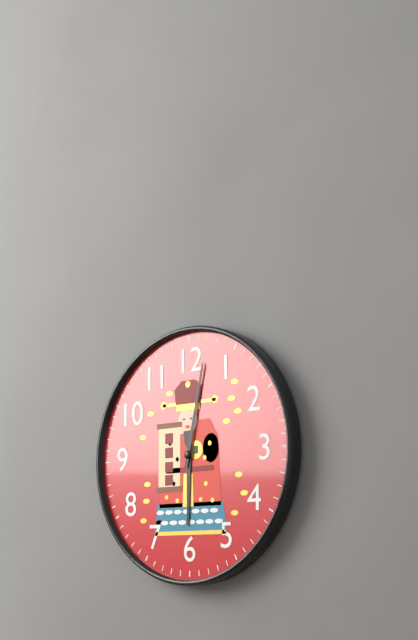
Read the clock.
6:02
